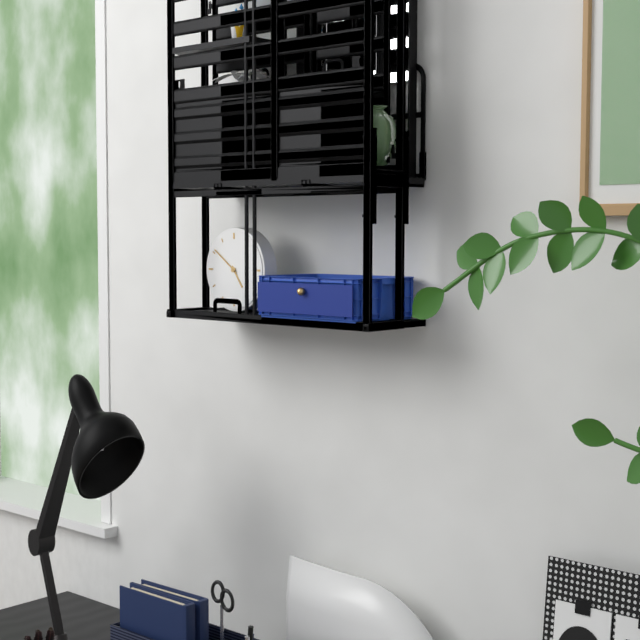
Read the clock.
4:51
